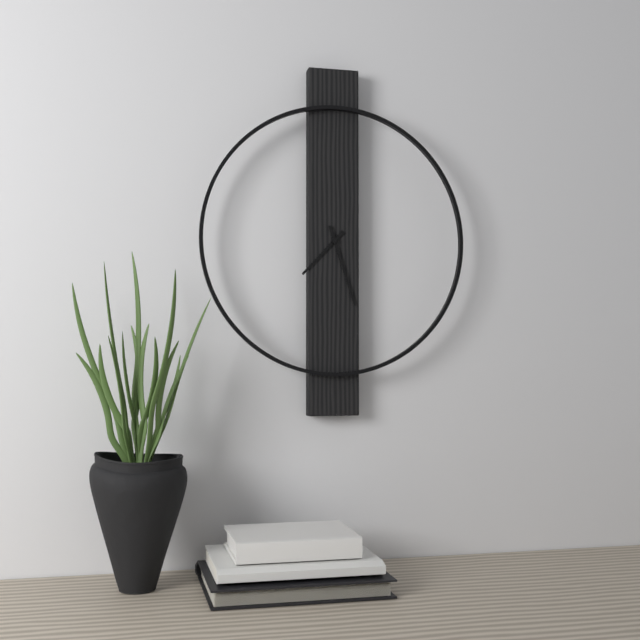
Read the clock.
7:27
